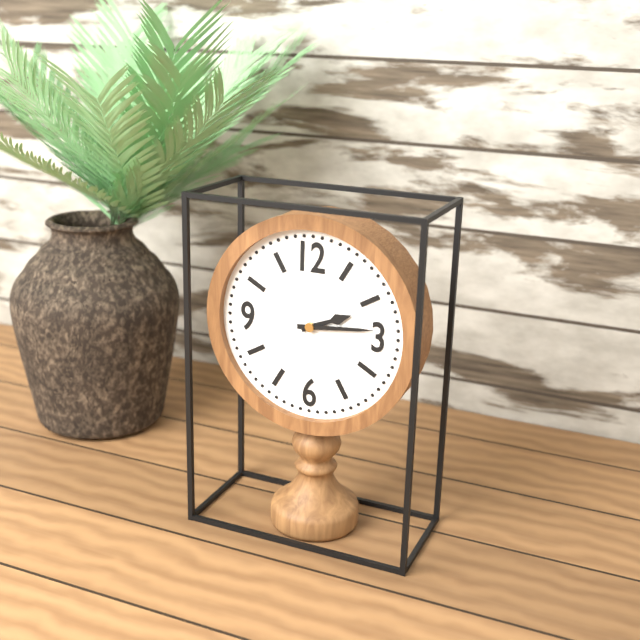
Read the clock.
2:14
